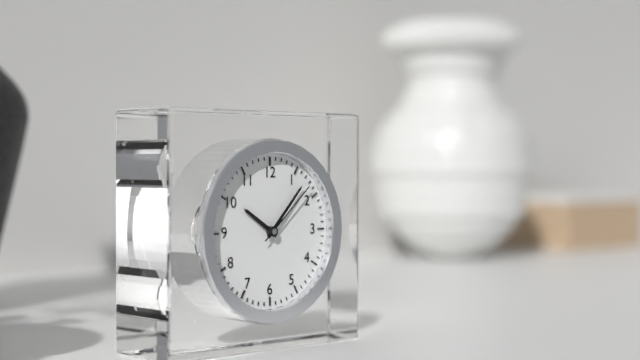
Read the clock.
10:07:08
